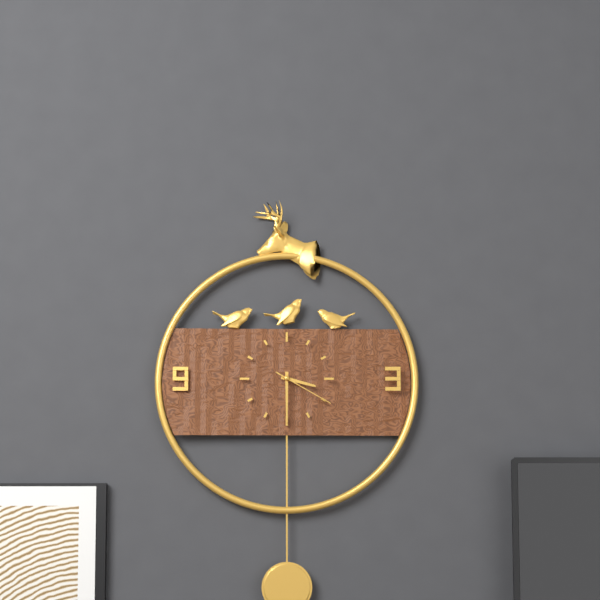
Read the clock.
3:30:20
